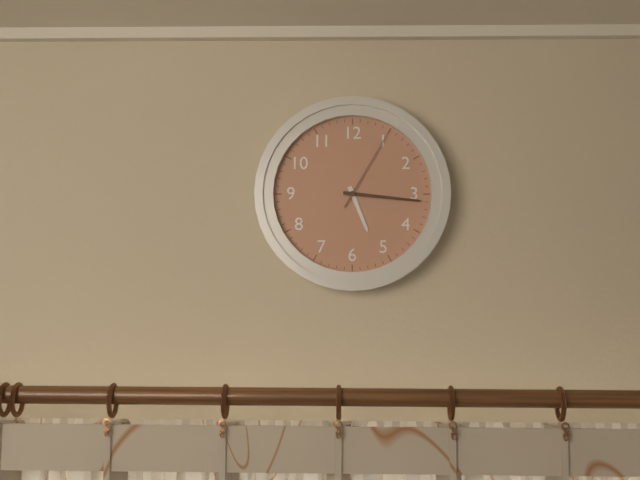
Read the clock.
5:16:05
